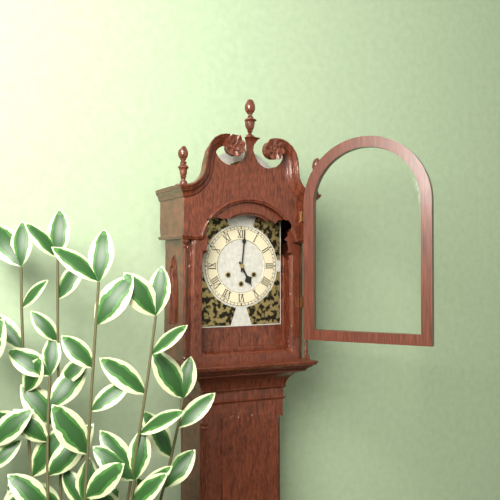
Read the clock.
5:01
